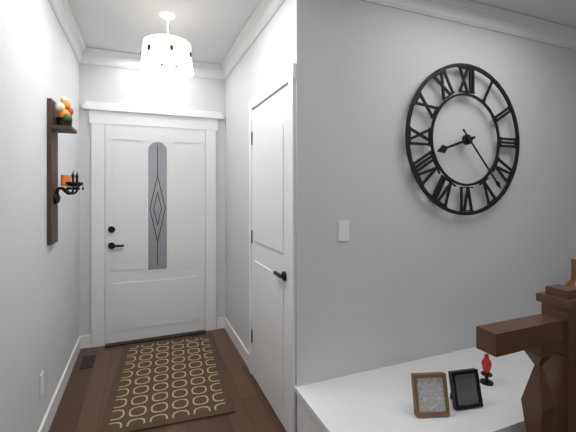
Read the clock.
8:23
